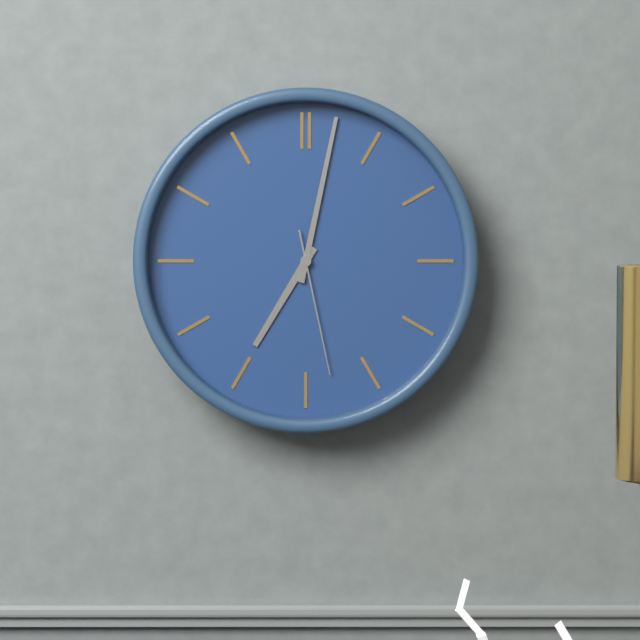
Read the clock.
7:02:28
